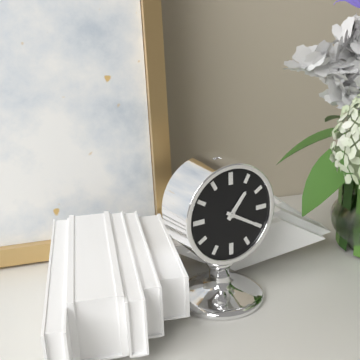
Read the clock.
1:20
